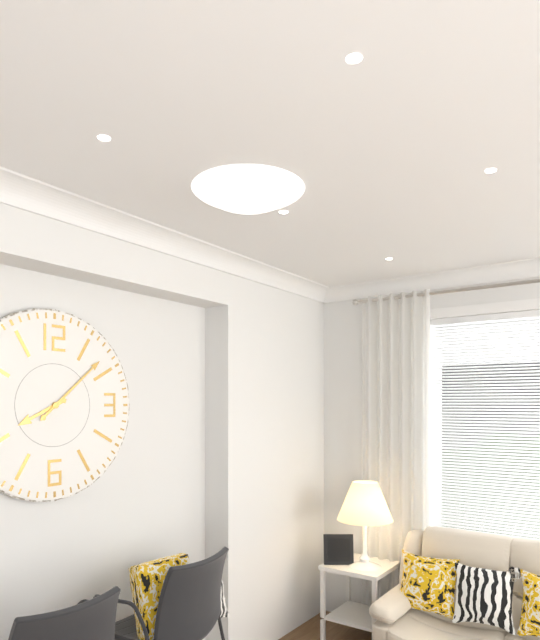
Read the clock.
8:08
